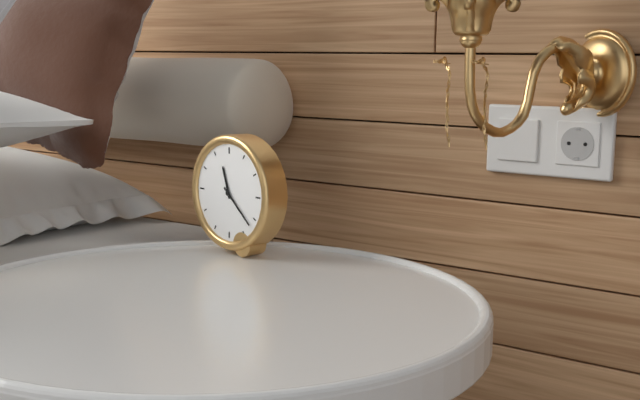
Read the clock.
11:22
